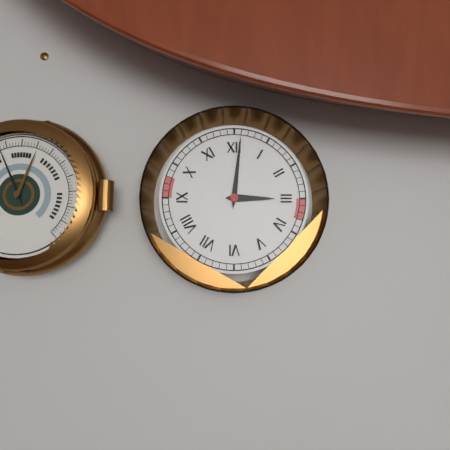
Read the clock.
3:01
